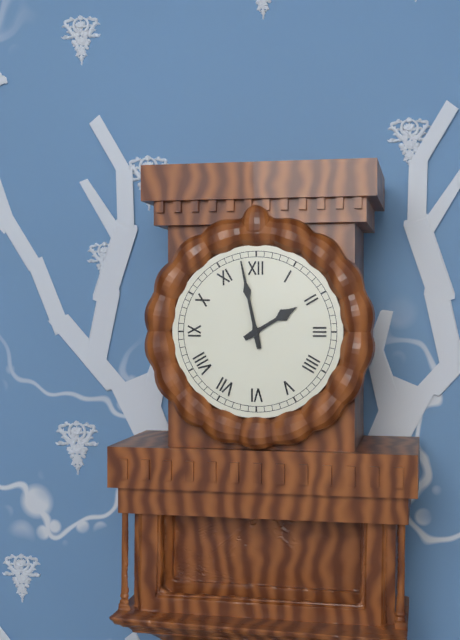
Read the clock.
1:58
